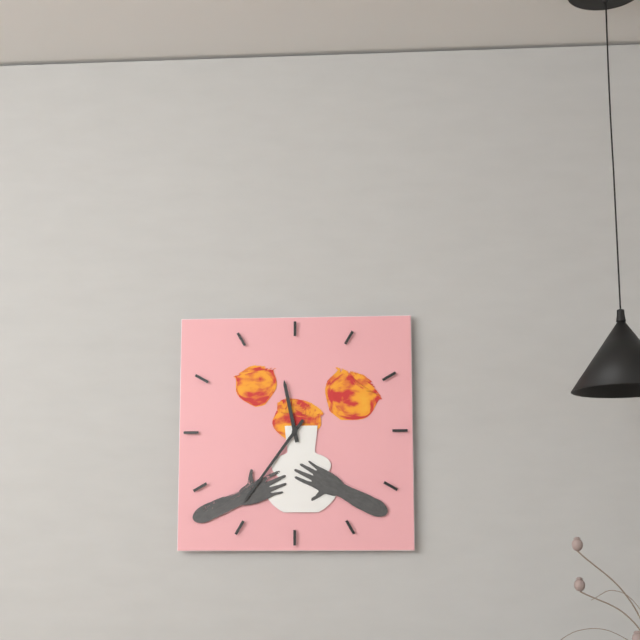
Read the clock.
11:36
